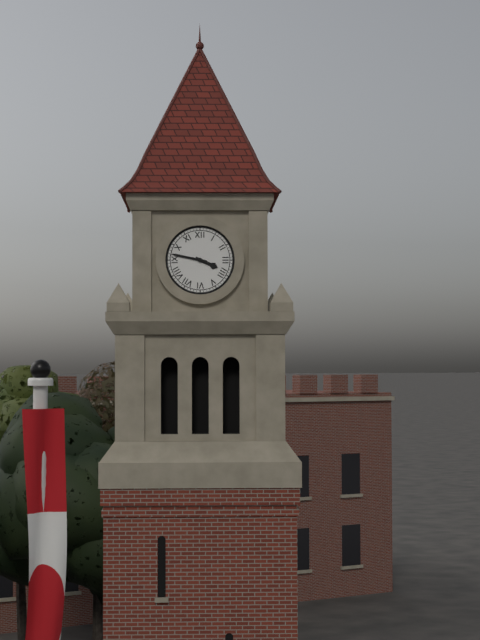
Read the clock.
3:47
